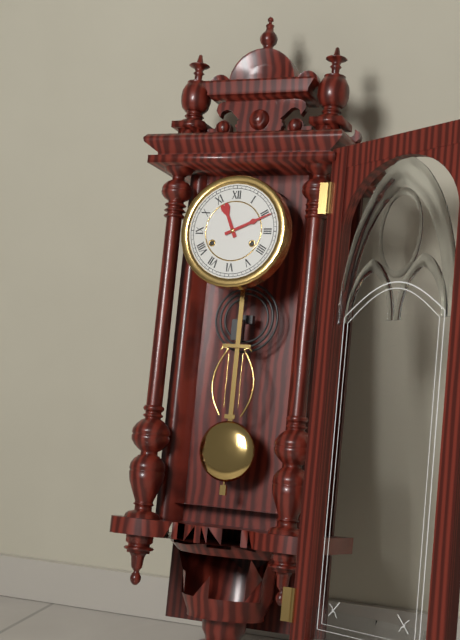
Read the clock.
11:11
